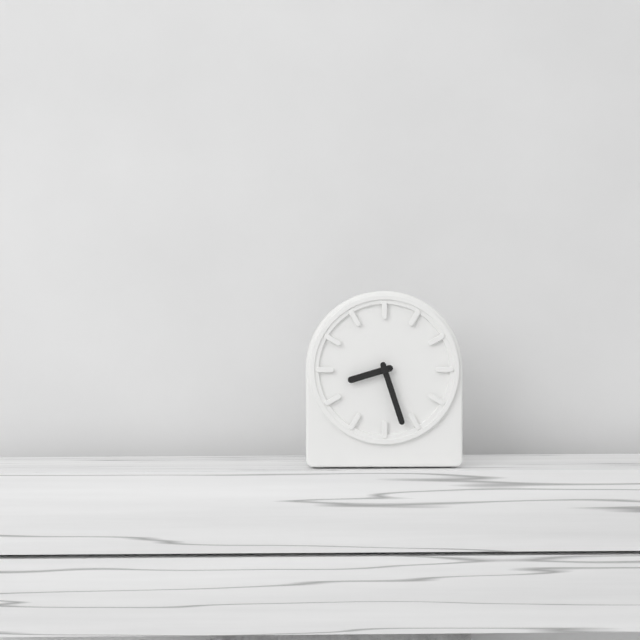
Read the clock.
8:27
